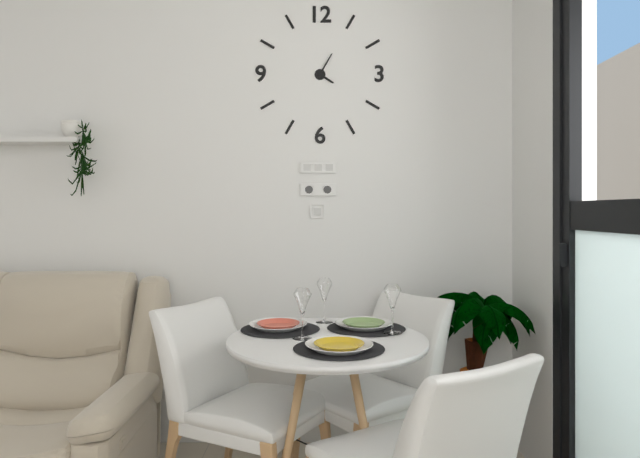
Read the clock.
4:05
